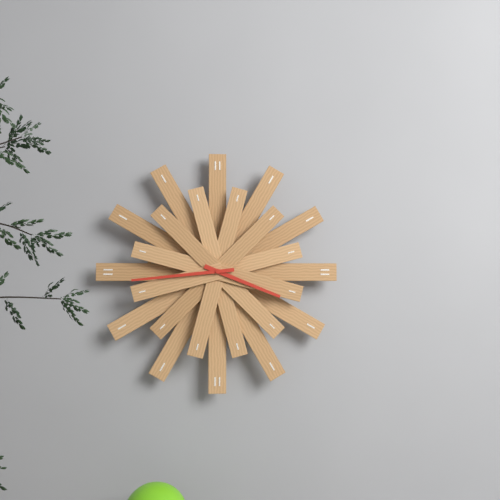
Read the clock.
3:44
